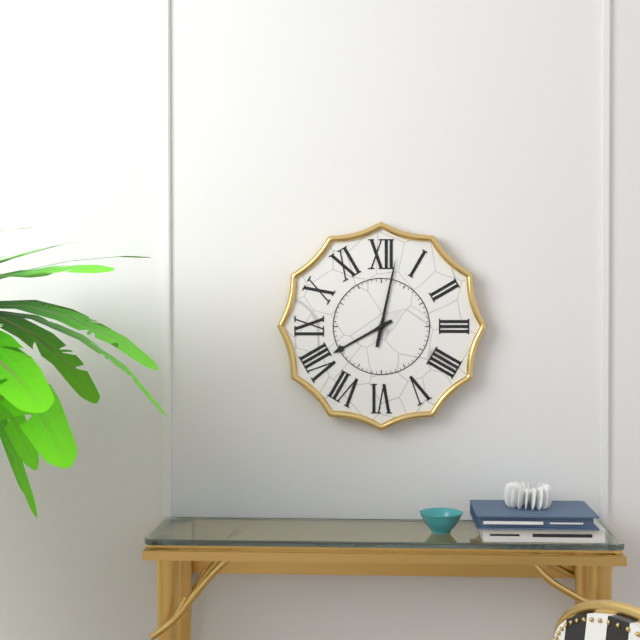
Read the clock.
8:02
